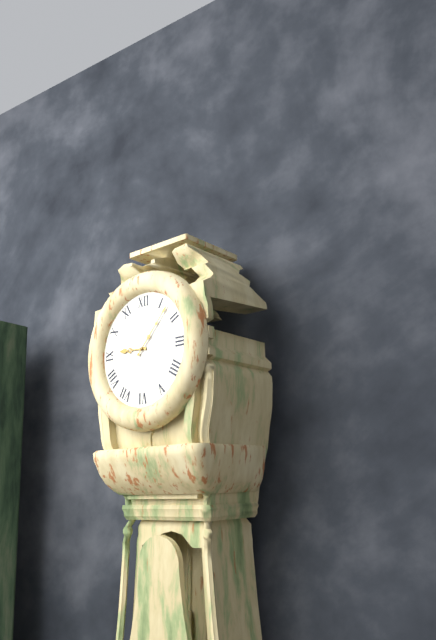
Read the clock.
9:07
